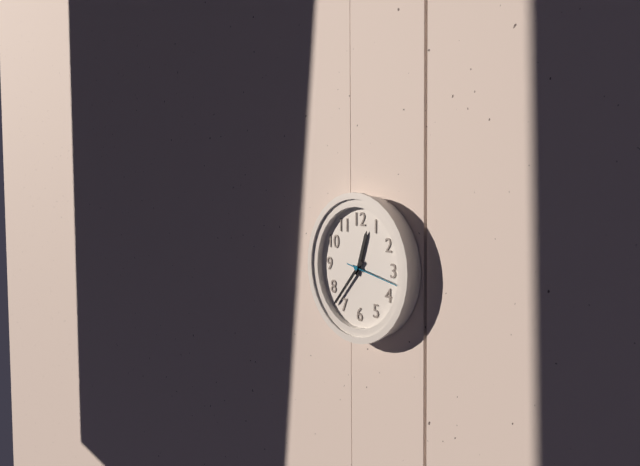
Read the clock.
12:37:17
